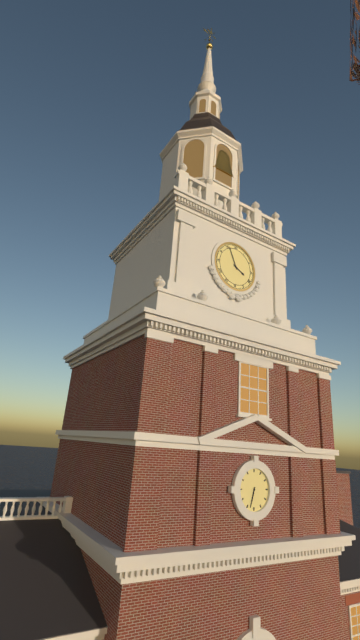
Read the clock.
3:56
